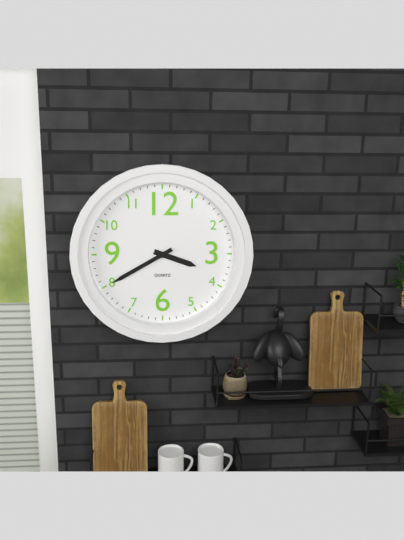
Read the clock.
3:40
